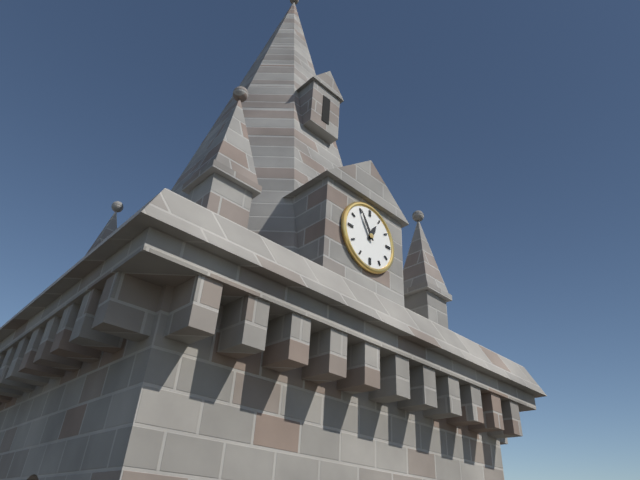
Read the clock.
12:55
